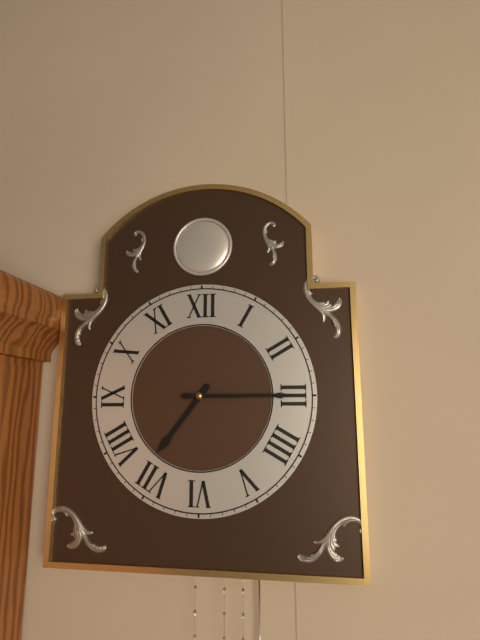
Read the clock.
7:15
